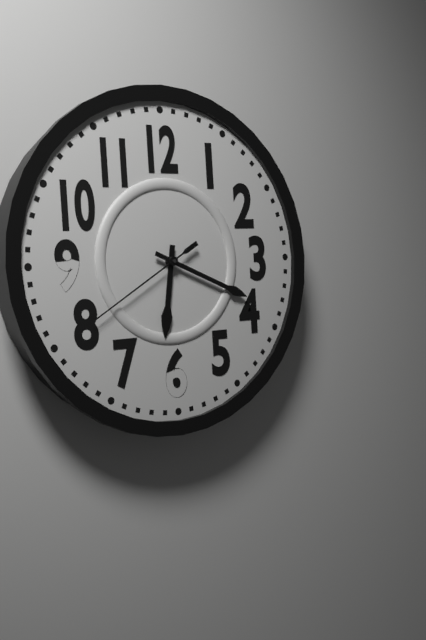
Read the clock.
6:19:40
